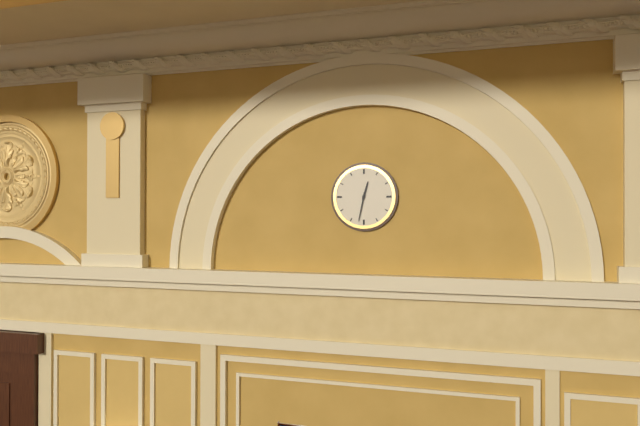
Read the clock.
12:32
